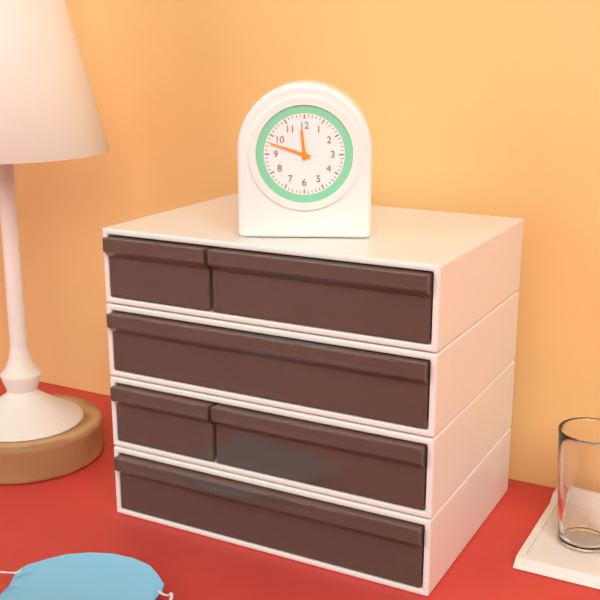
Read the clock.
11:48
